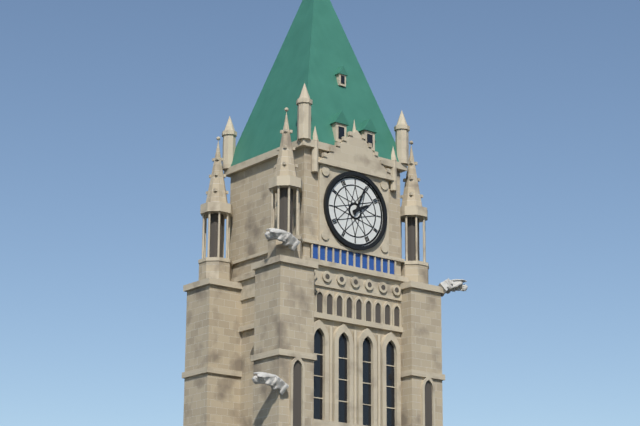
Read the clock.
2:04
